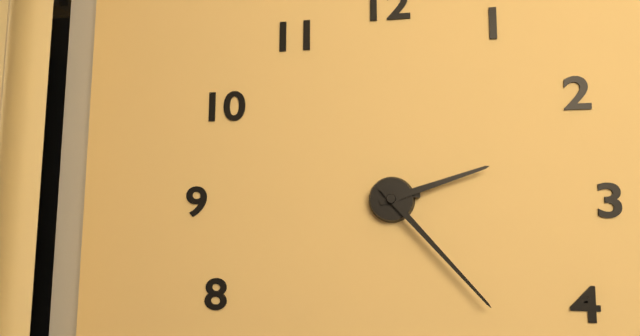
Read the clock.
2:23
